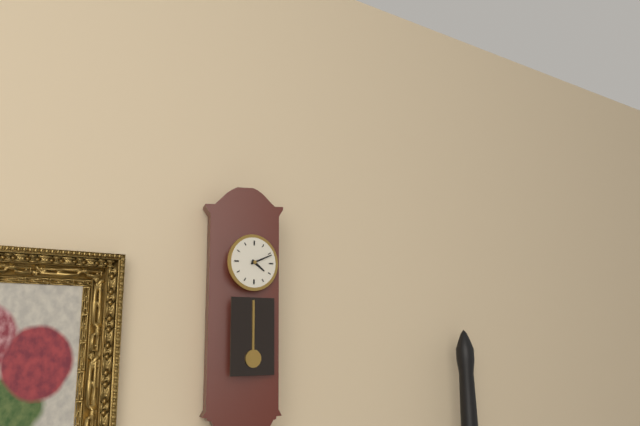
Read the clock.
4:11
